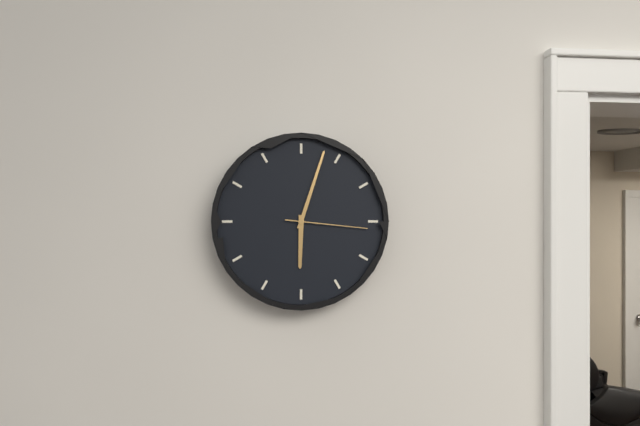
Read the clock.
6:03:16
